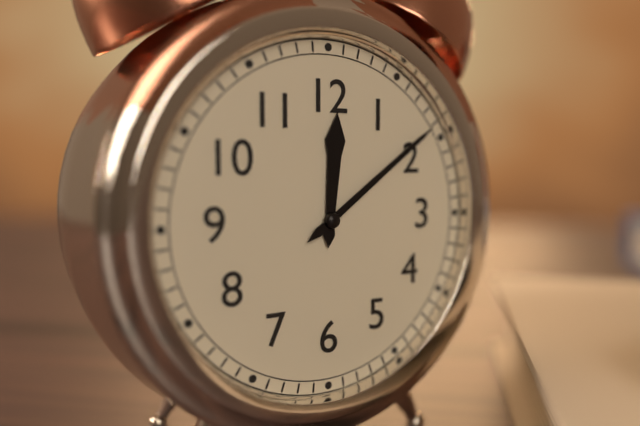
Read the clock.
12:09
